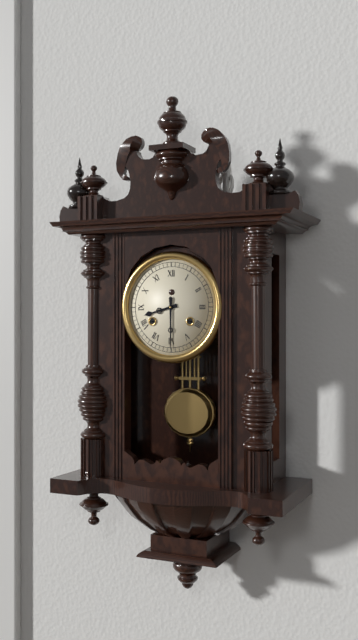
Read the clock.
8:30
